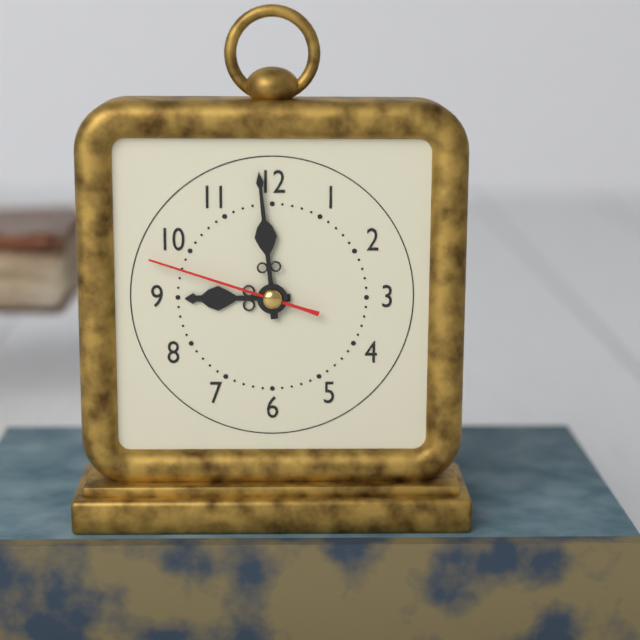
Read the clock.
8:59:48
